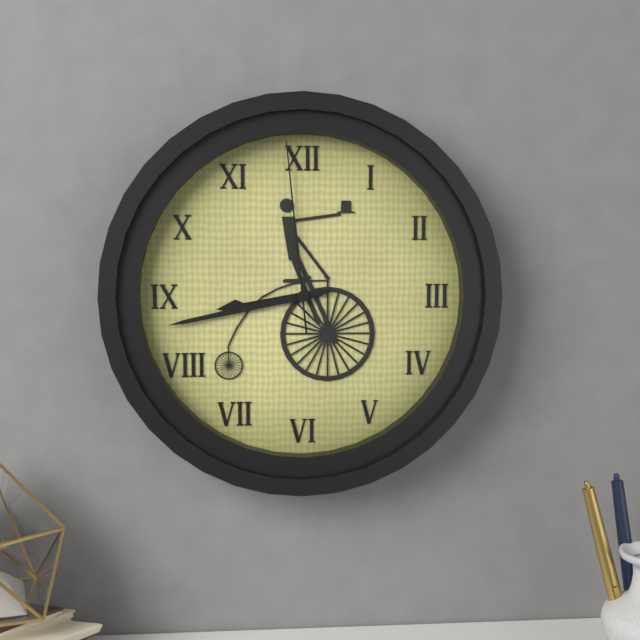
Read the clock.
8:43:59
